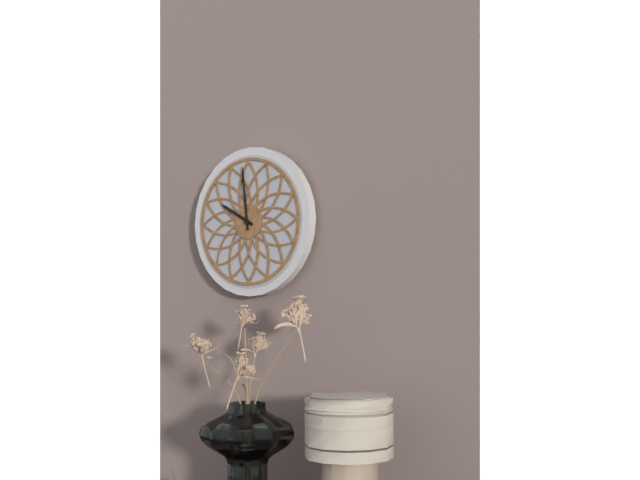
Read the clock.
9:59
